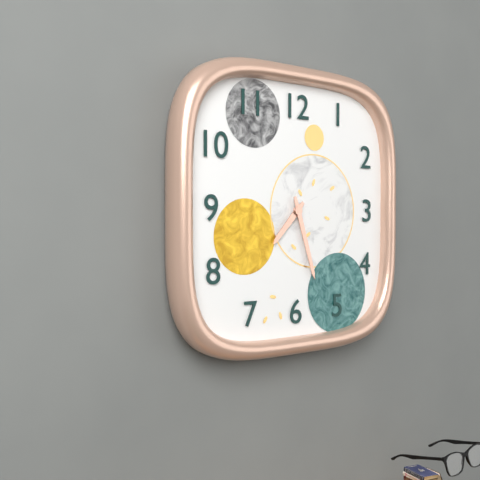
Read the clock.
7:27
